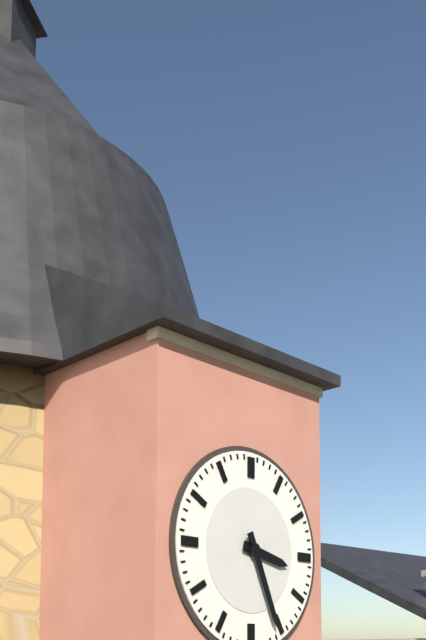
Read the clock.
3:26
